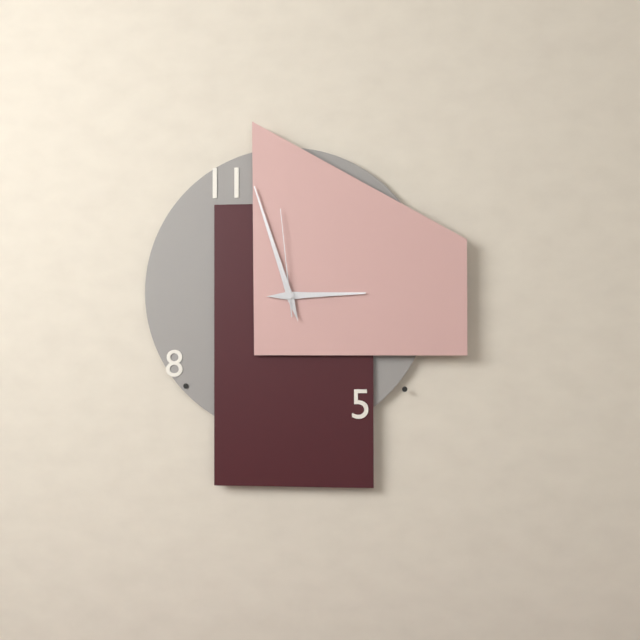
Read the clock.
2:57:59
